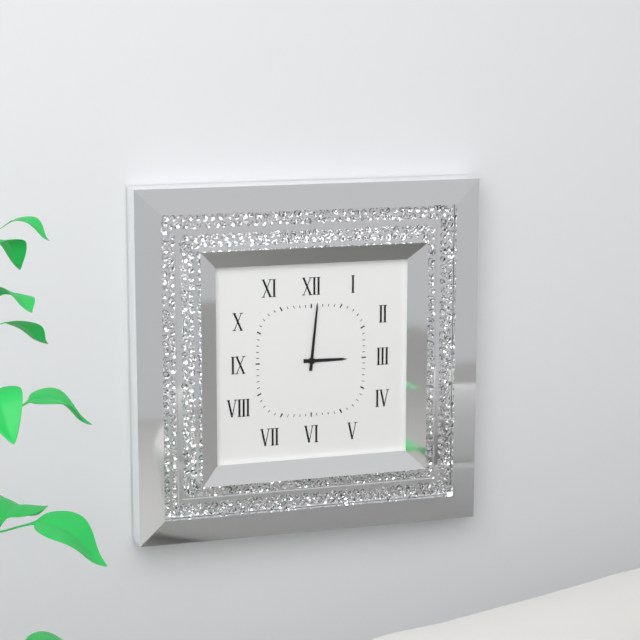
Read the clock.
3:01
